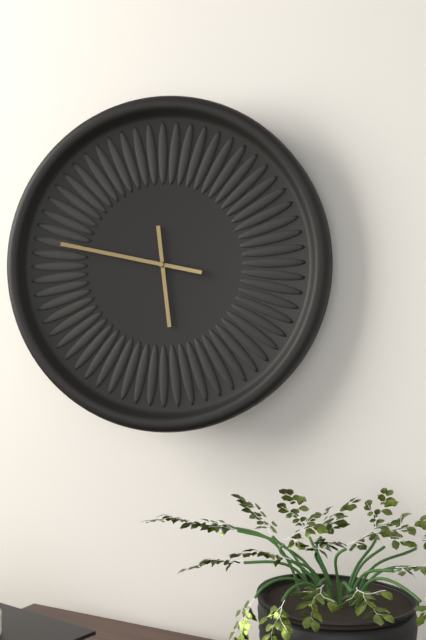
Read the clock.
5:47
